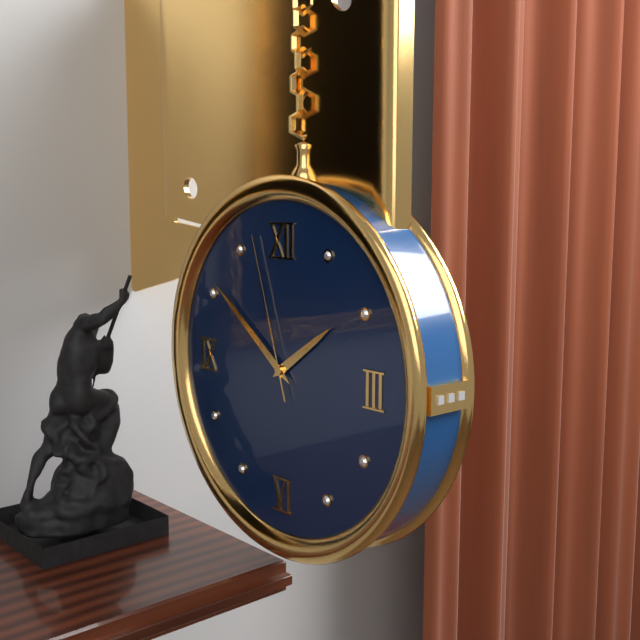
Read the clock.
1:51:57
